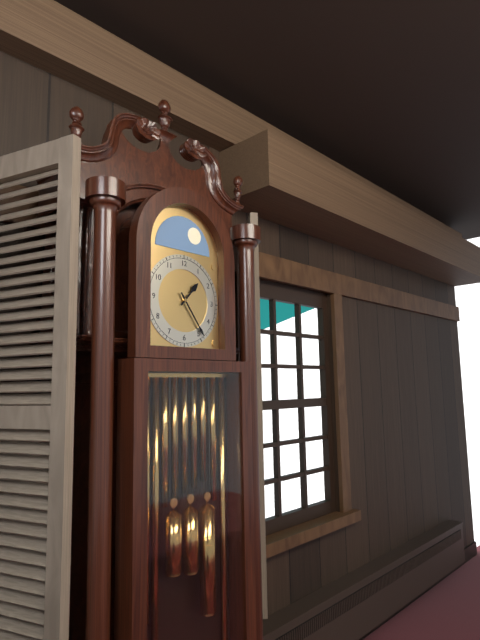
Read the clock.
1:24
